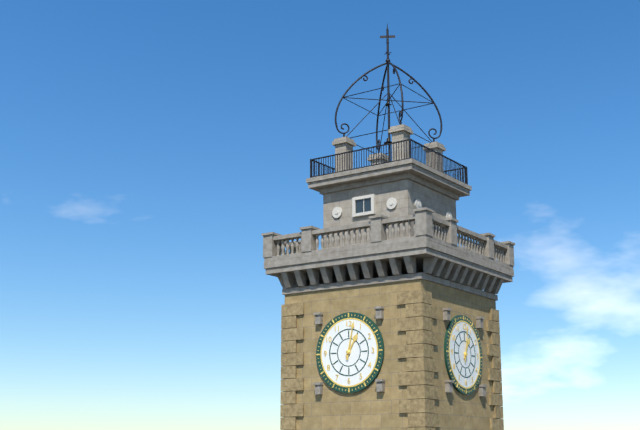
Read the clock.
1:02
